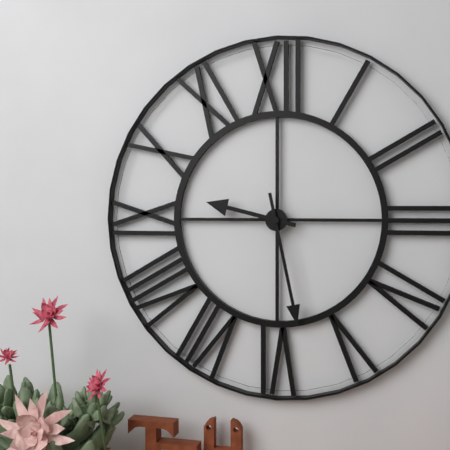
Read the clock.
9:28
